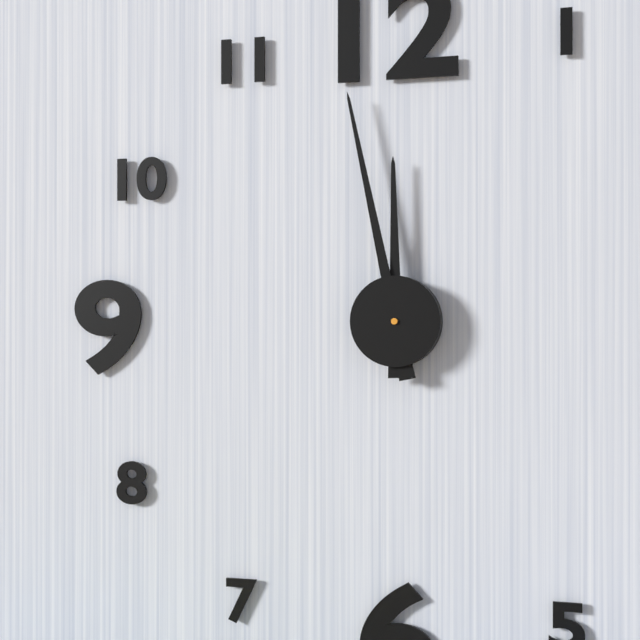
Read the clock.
11:58
